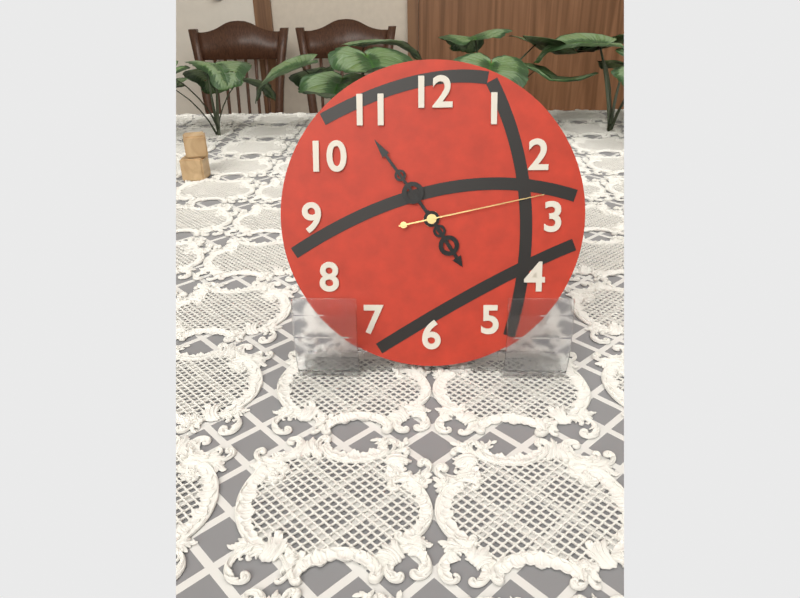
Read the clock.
4:54:13
